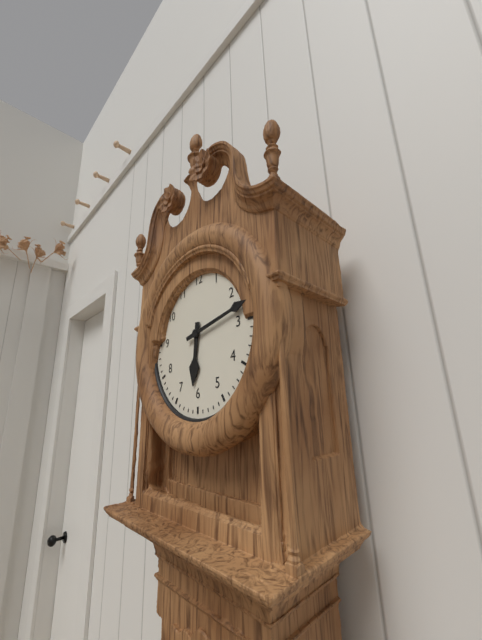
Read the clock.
6:13
